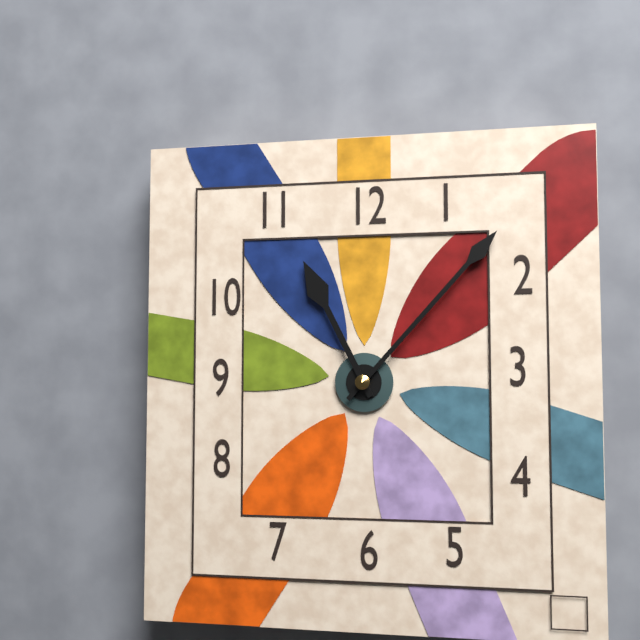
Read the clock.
11:07
